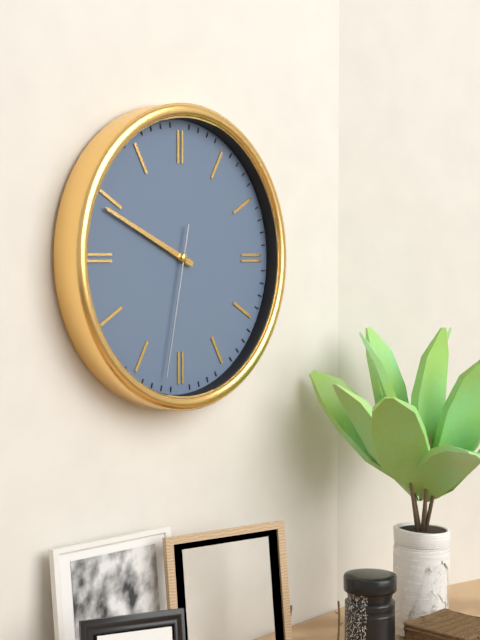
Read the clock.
9:49:32
